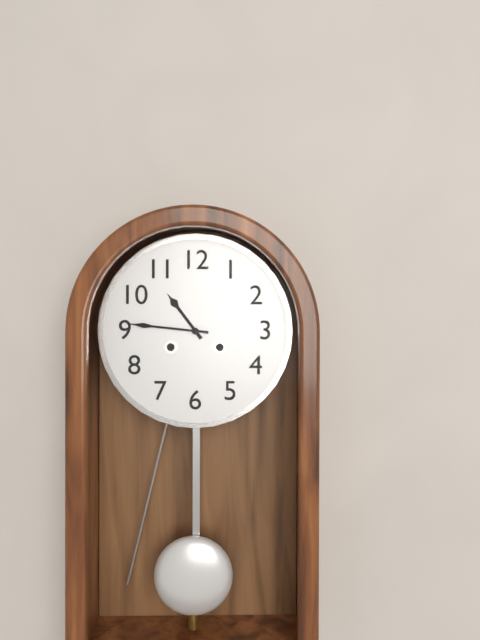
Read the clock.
10:46
